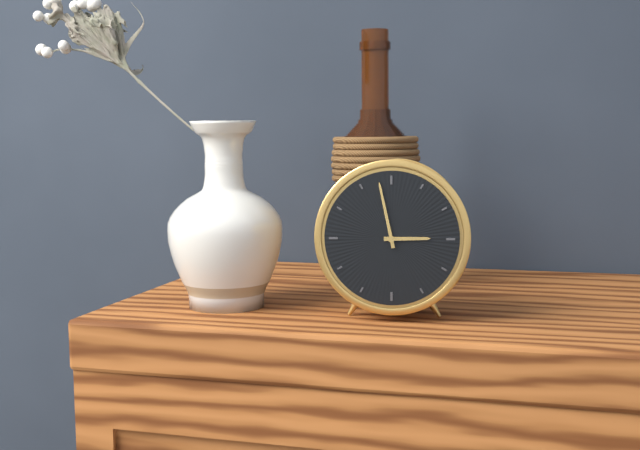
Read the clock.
2:58
